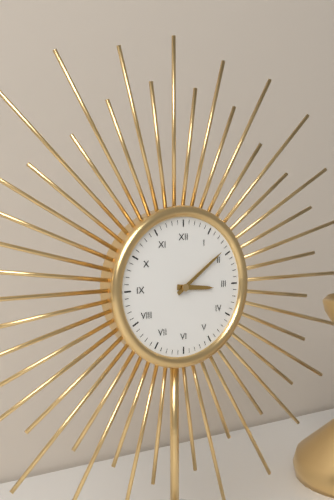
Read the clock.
3:09
